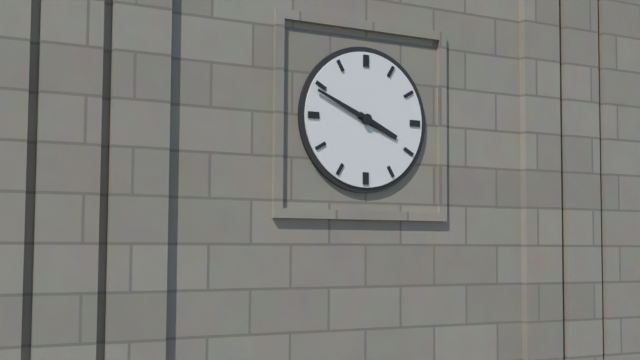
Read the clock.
3:49
